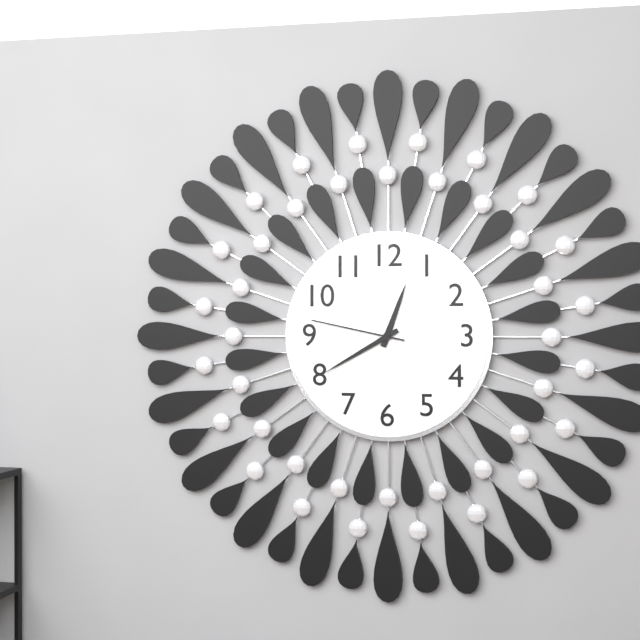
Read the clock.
12:40:47
